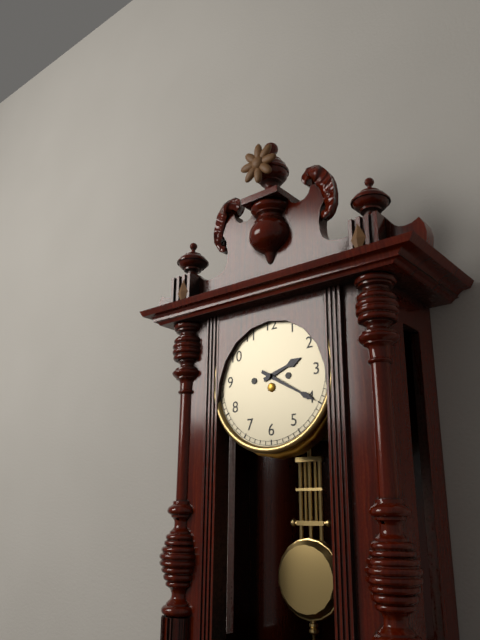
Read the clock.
2:20
